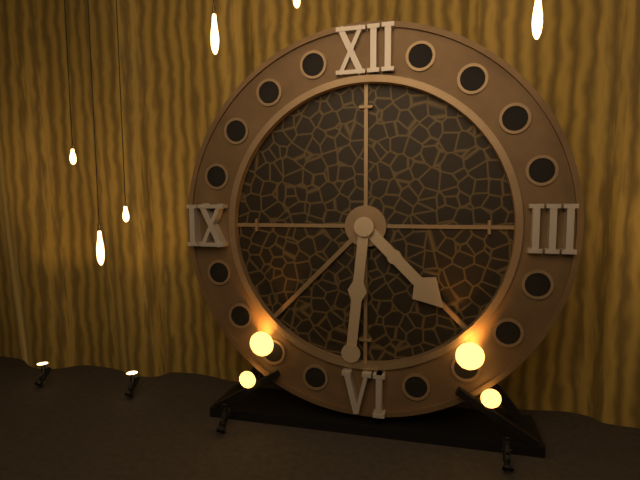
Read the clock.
4:31
